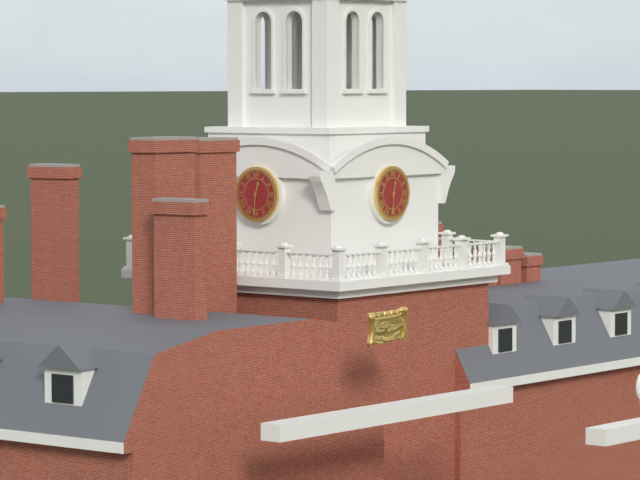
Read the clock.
12:31
